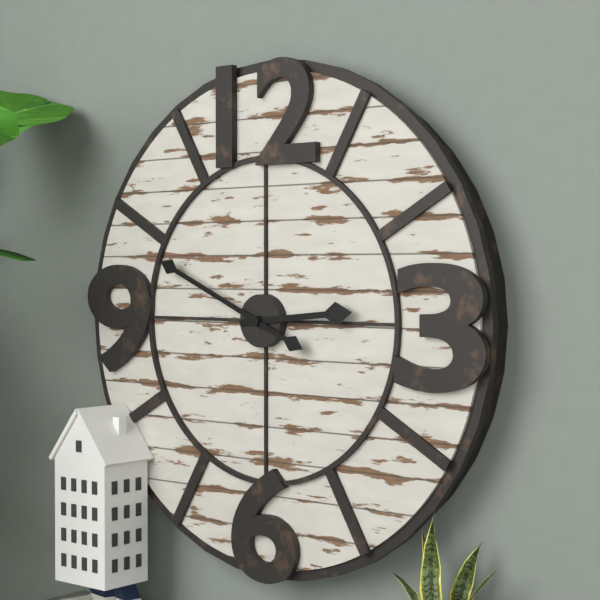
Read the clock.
2:49
